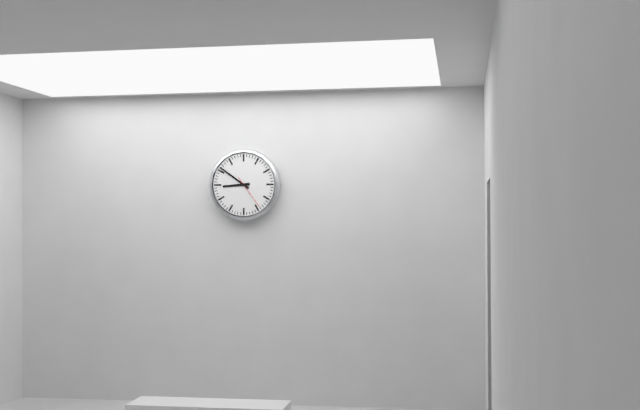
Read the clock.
8:51
